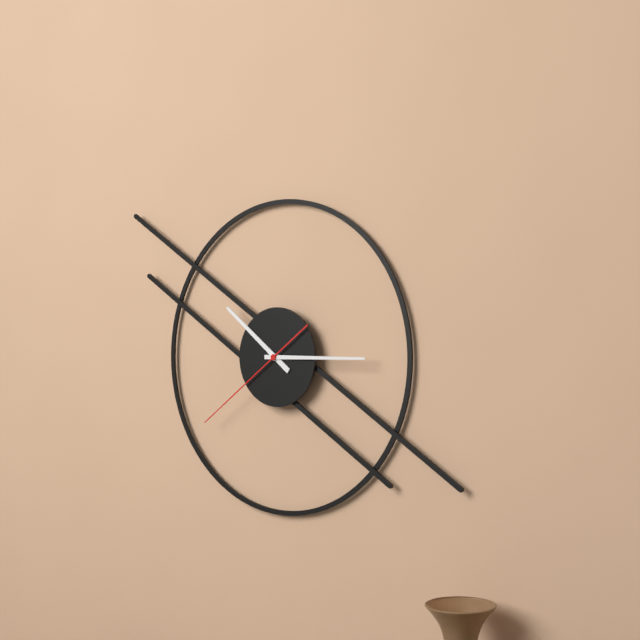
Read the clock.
10:15:39
